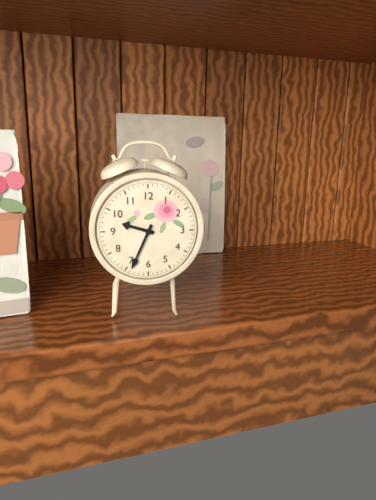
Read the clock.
9:34
